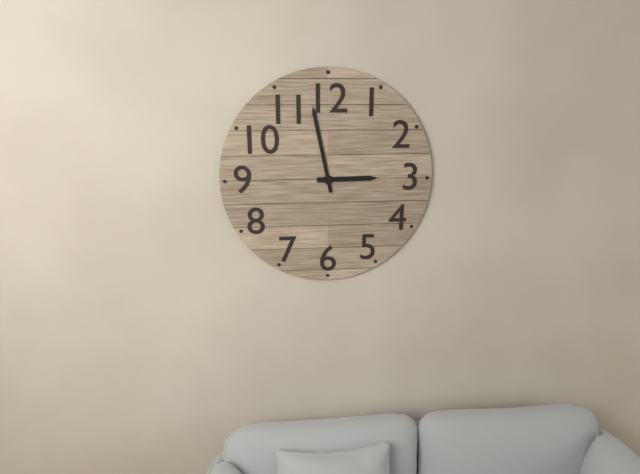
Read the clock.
2:58
